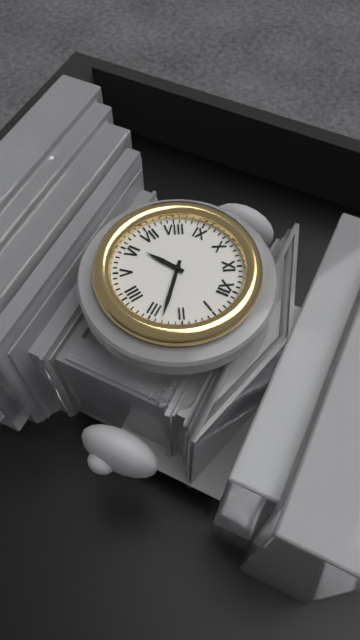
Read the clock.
6:13
